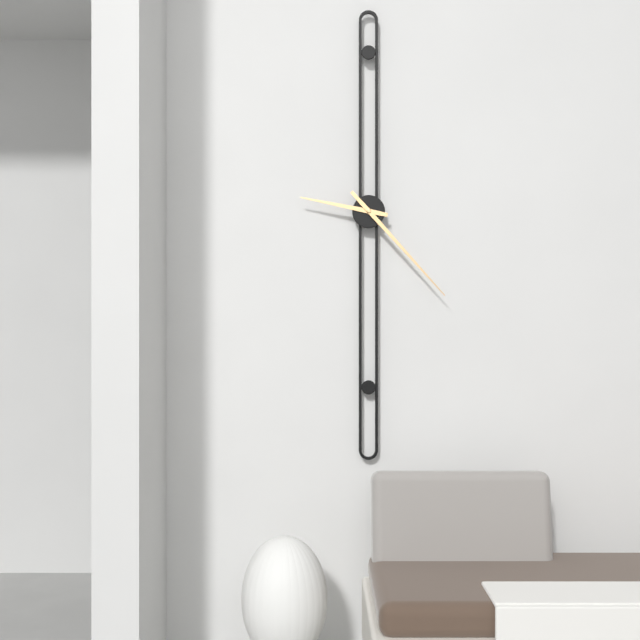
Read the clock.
9:23
